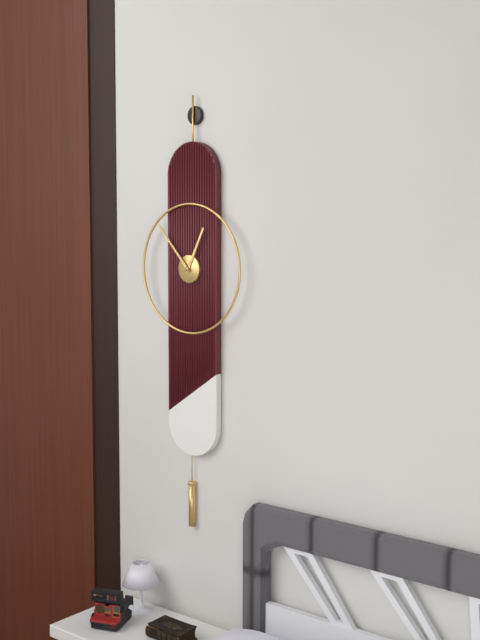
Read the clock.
12:53
